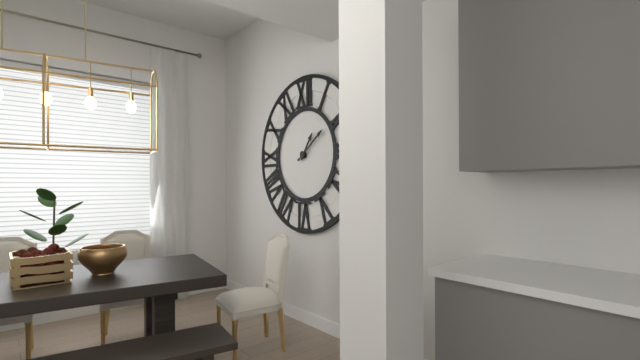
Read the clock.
1:09
